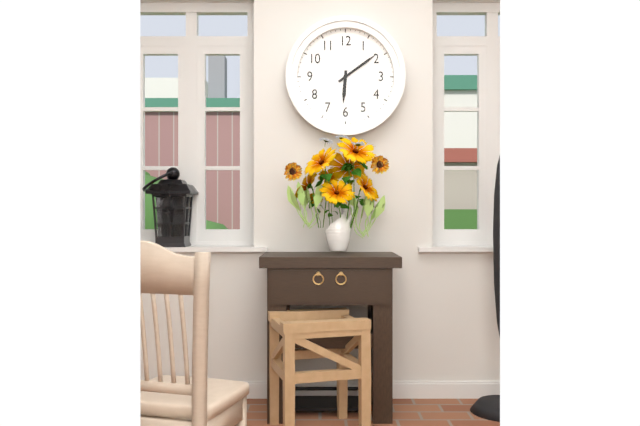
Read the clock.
6:09
